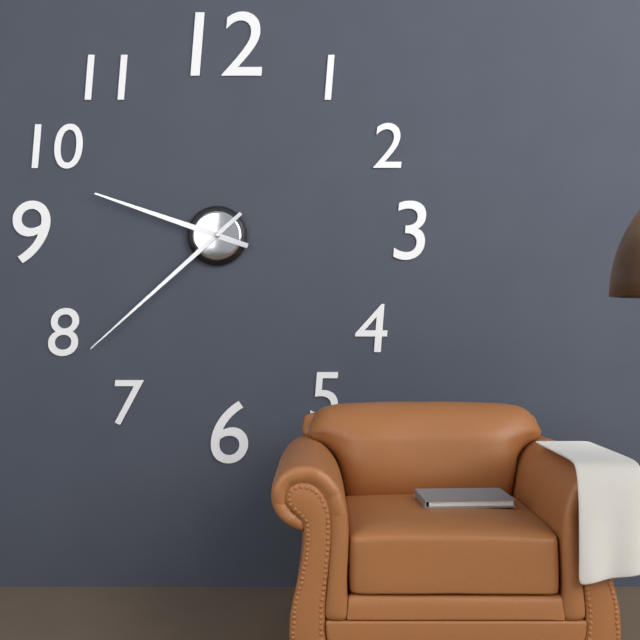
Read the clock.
9:38
